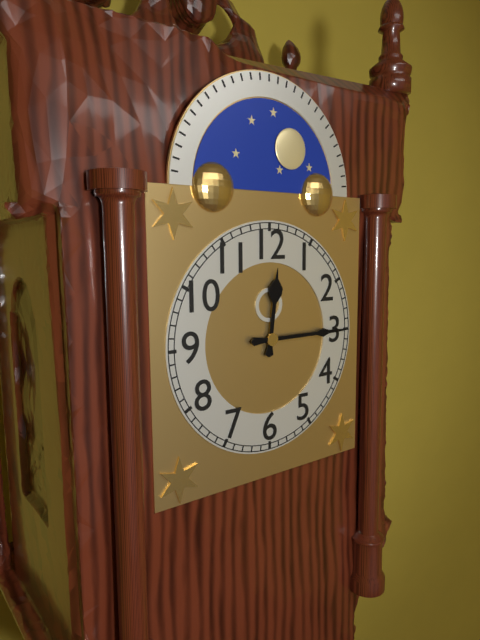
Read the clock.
12:15
